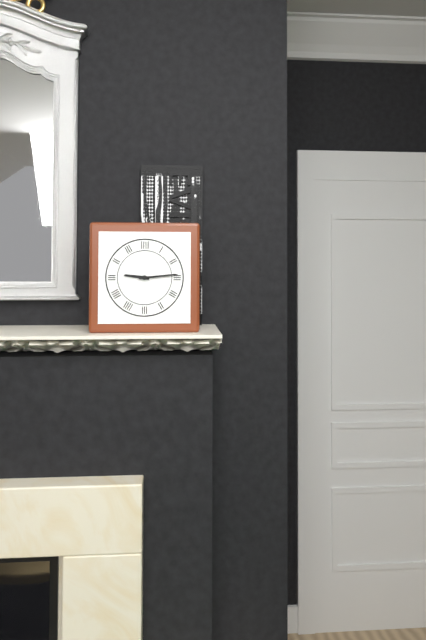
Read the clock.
9:14
